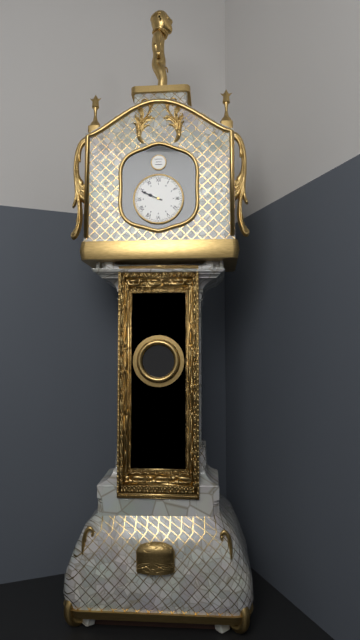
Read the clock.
9:49
